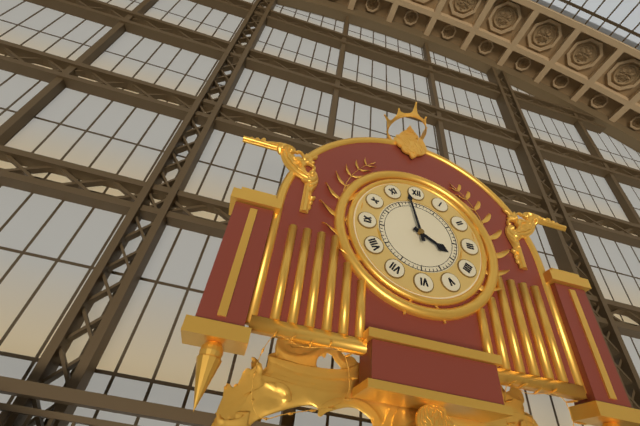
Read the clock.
3:58
